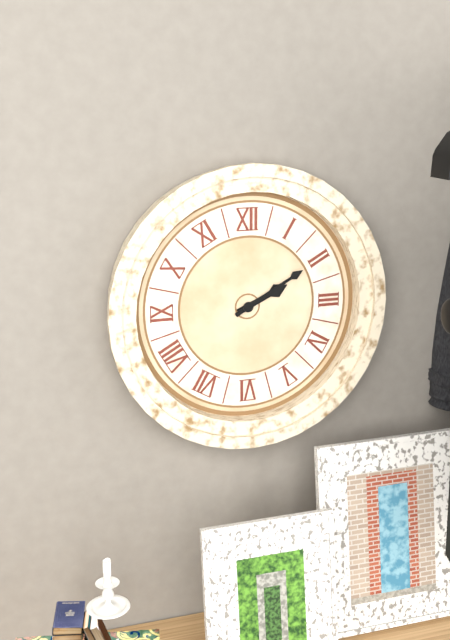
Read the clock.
2:10
